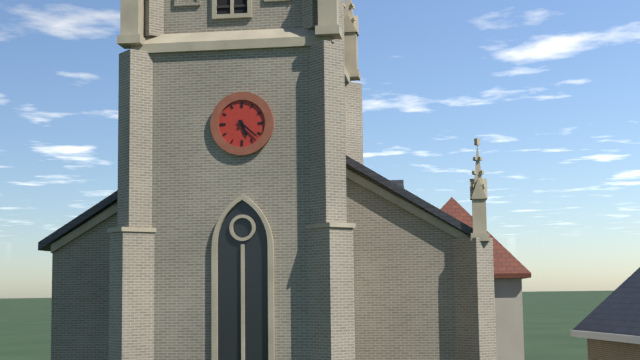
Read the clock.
5:22
